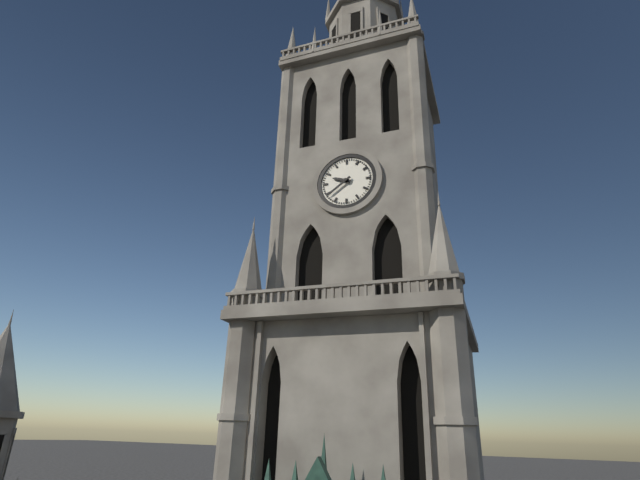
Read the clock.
9:39
